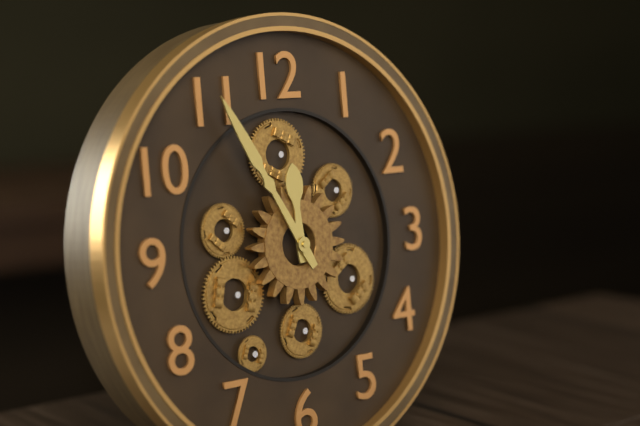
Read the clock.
11:55
